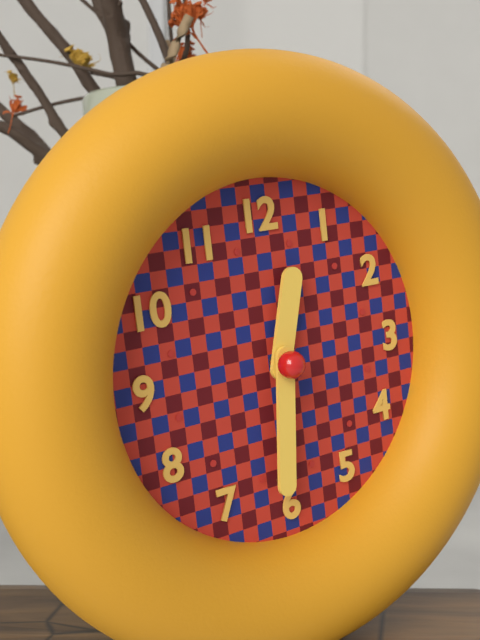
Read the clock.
12:31
